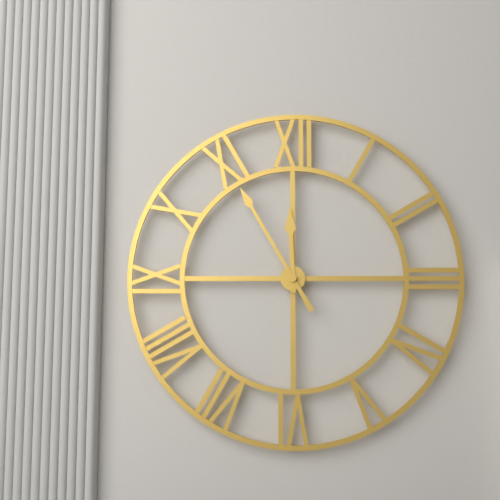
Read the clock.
11:55
